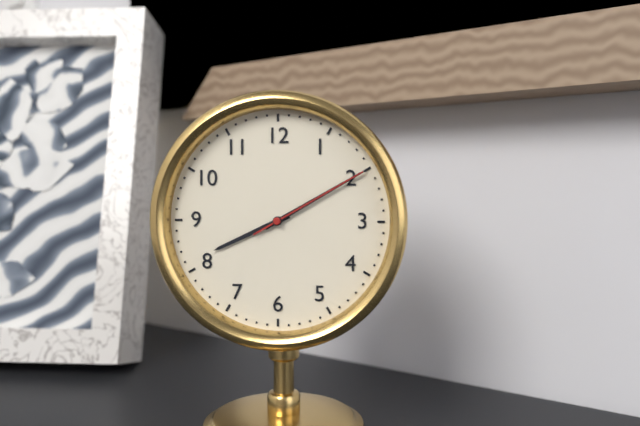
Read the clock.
8:10:10
